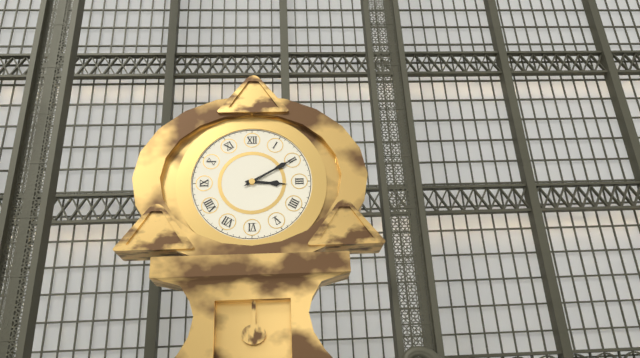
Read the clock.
3:10
